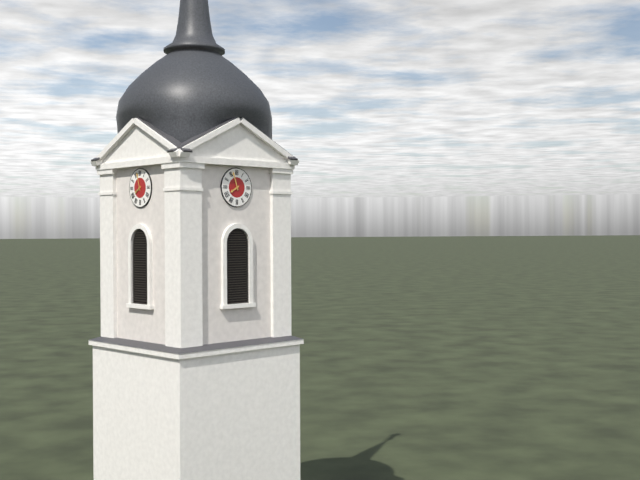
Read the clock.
7:57
